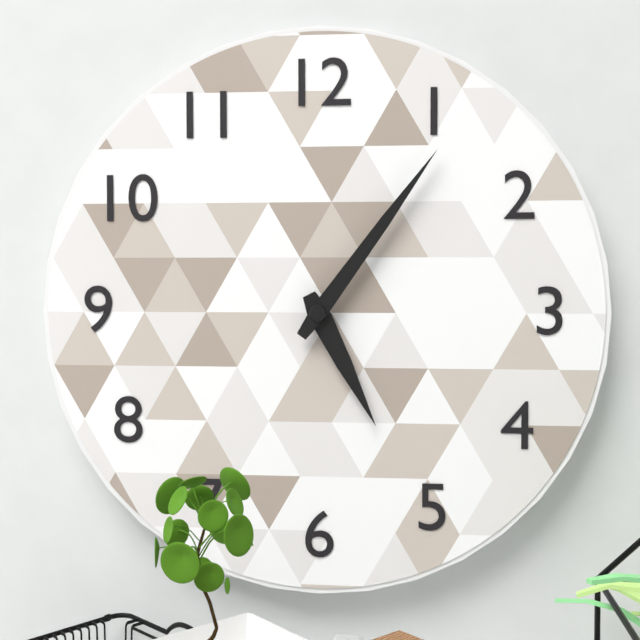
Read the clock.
5:06
